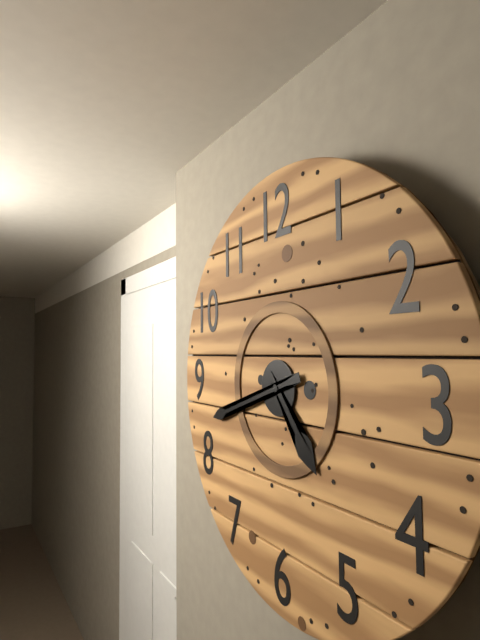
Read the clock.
4:42
